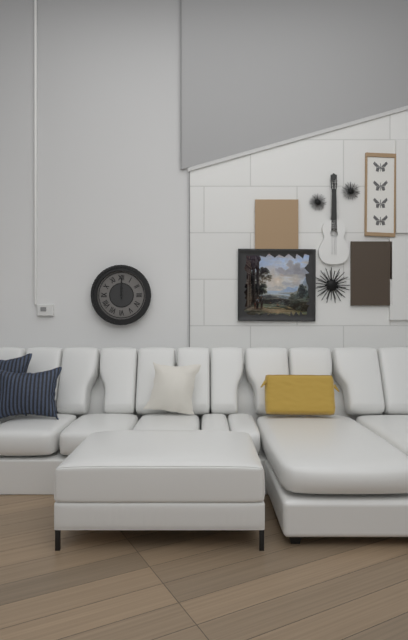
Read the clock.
12:00
